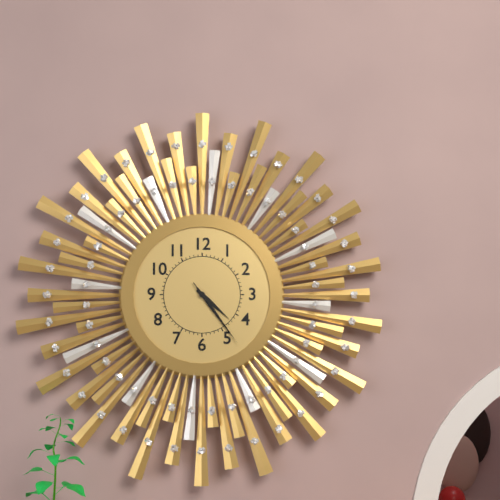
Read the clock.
4:24:24
